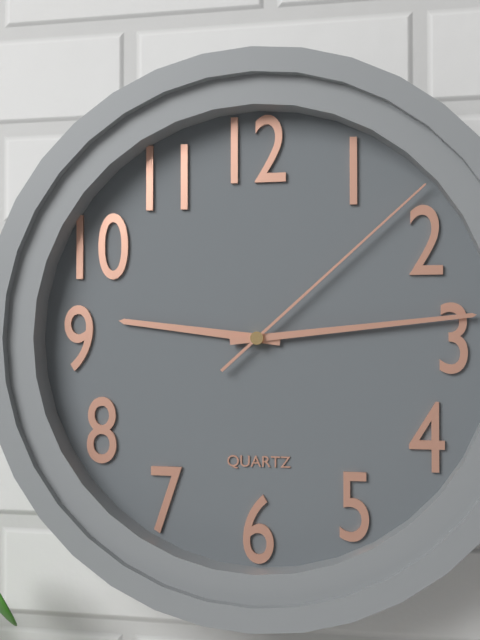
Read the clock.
9:14:08
